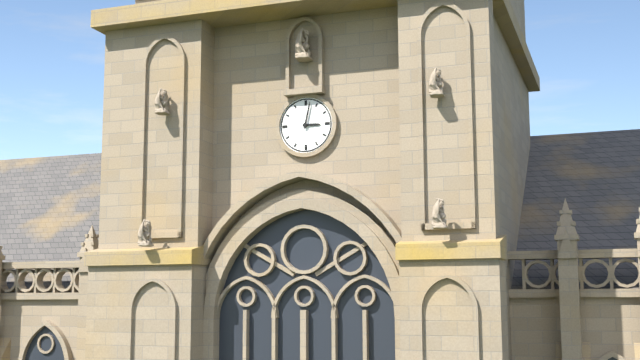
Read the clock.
3:02
